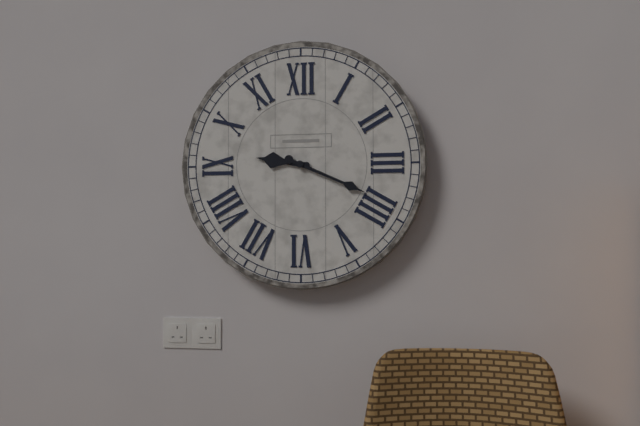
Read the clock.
9:19
